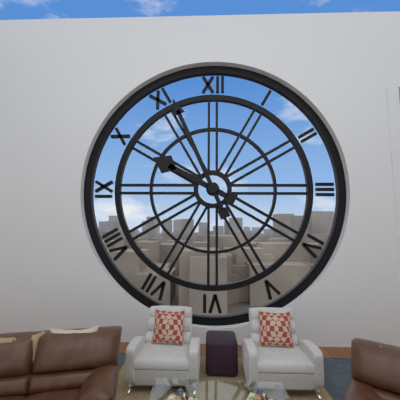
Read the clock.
9:56
